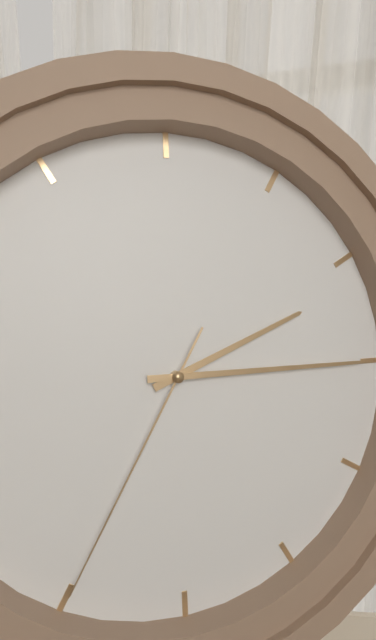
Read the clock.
2:15:35
